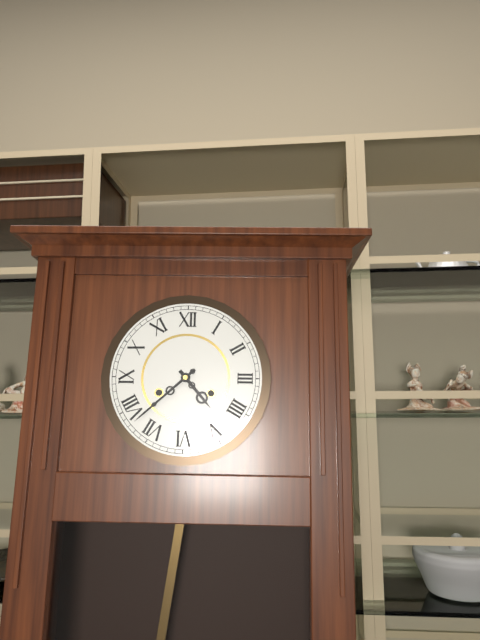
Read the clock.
4:38
